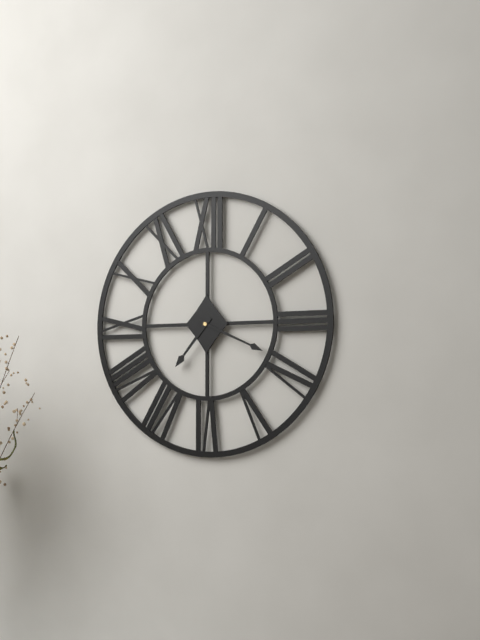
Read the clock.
7:19
